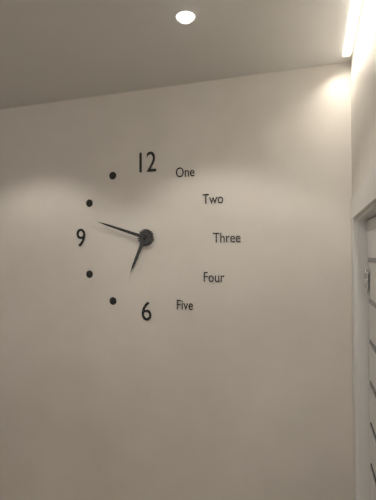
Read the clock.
6:48
